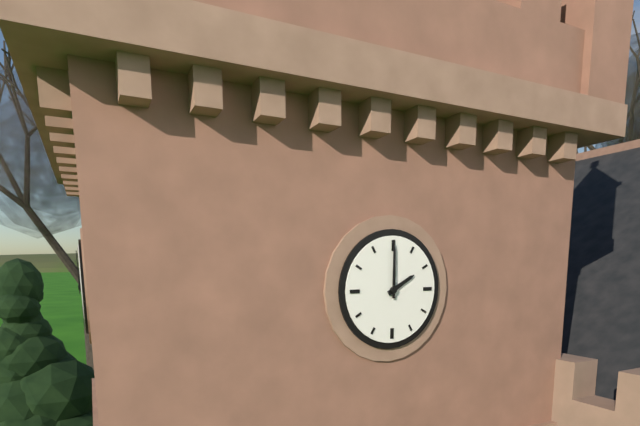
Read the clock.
2:00
